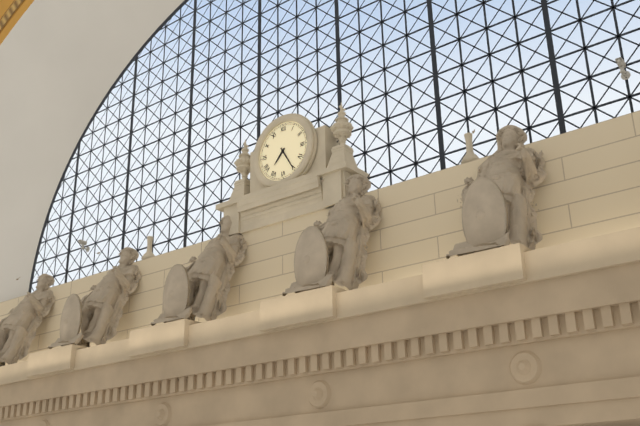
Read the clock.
7:25
